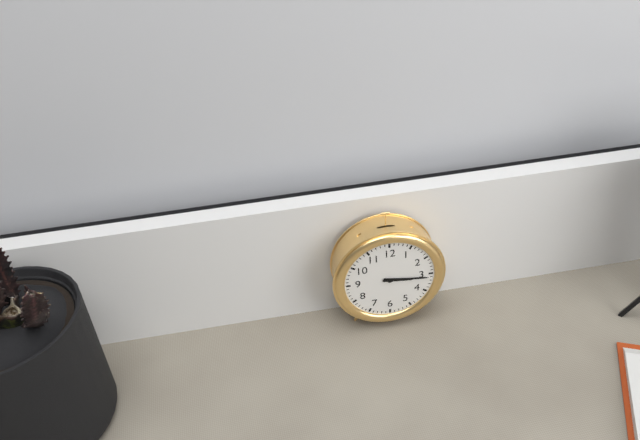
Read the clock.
3:16
